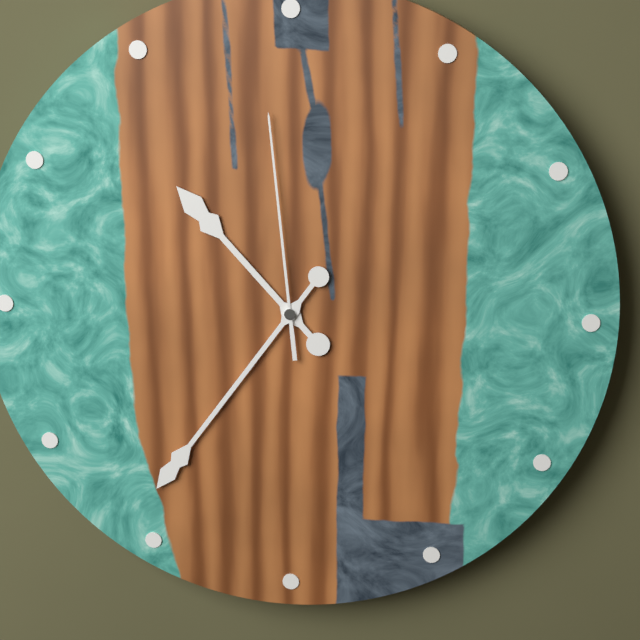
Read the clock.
10:36:59
